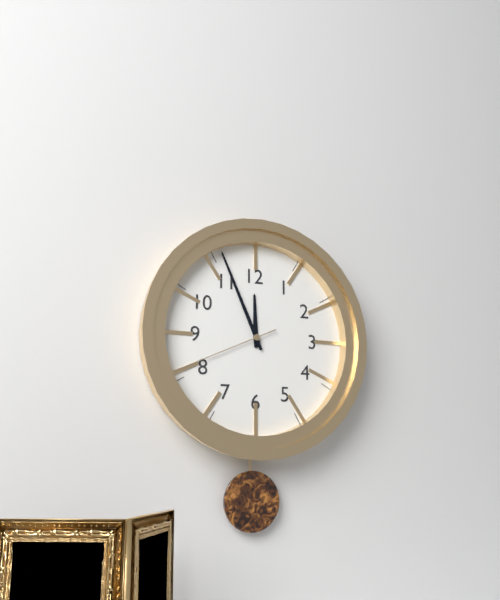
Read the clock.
11:56:41
